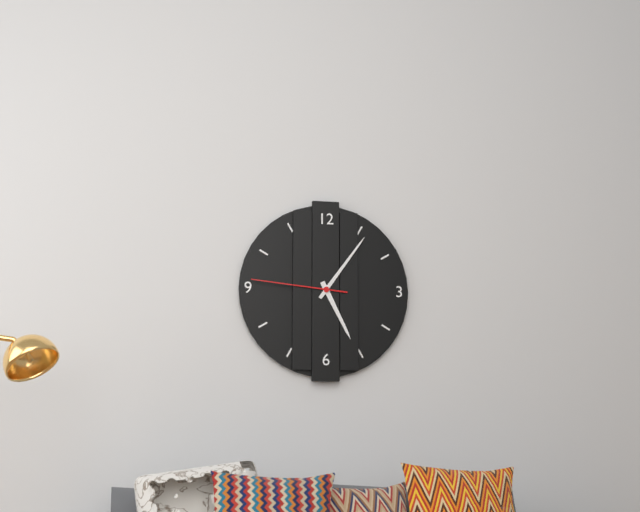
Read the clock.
5:06:46
